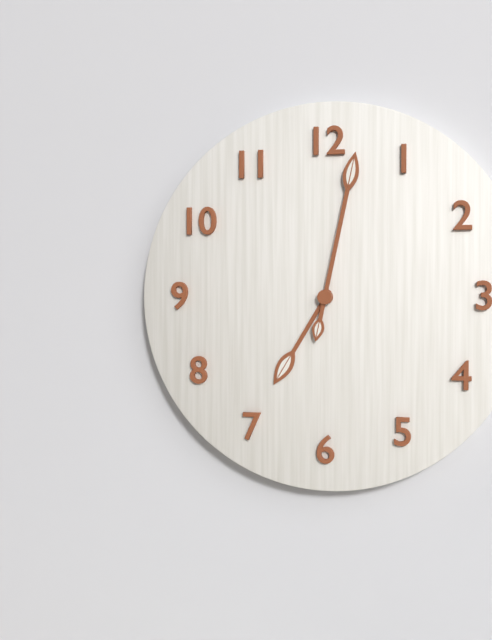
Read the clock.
7:02
